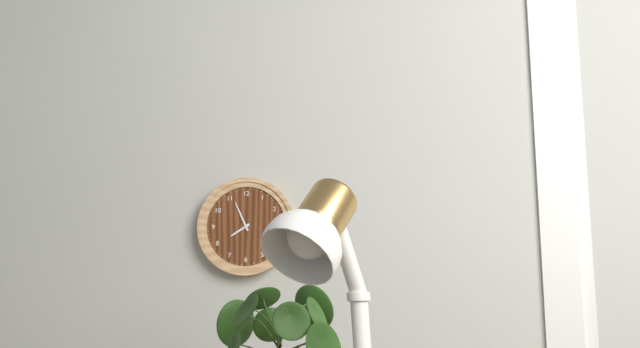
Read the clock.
7:56
